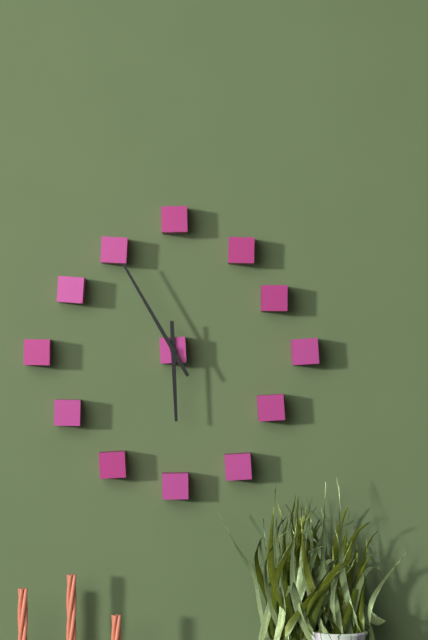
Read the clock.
5:55
